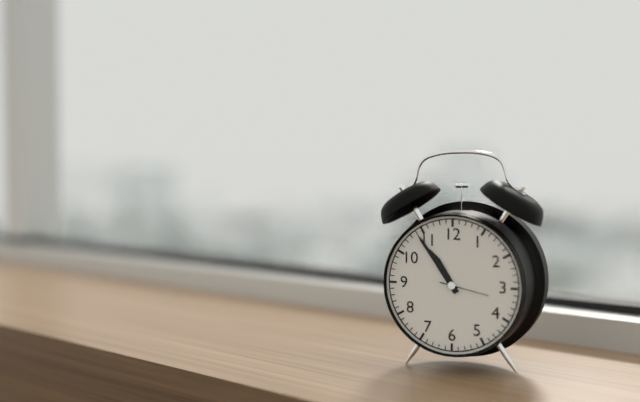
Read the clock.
10:54
